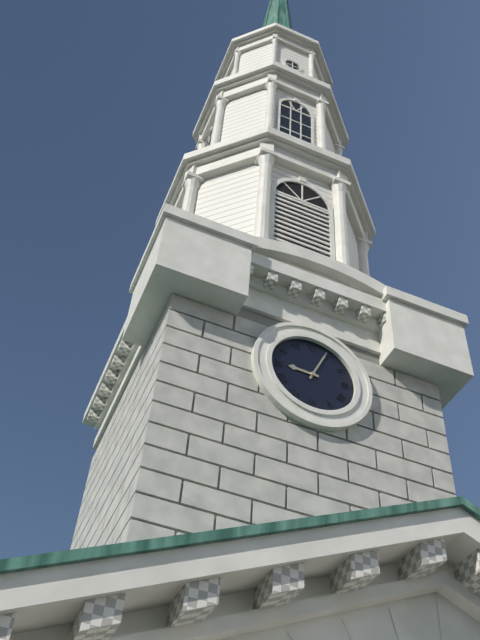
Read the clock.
9:04
